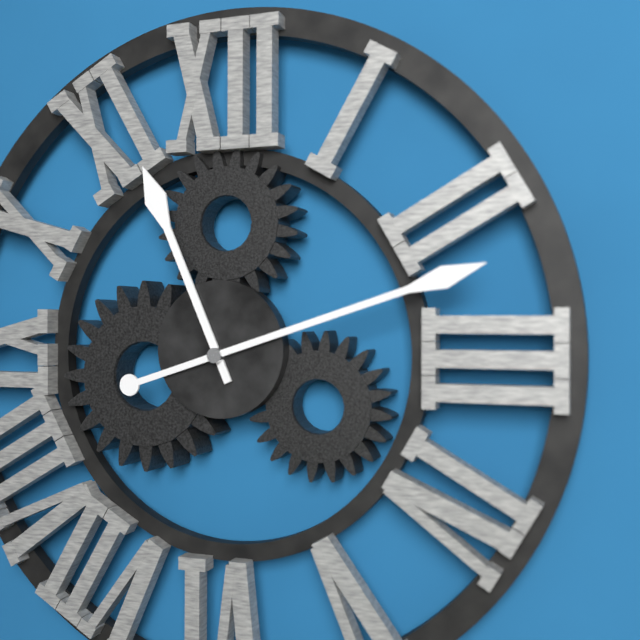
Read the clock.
11:12
